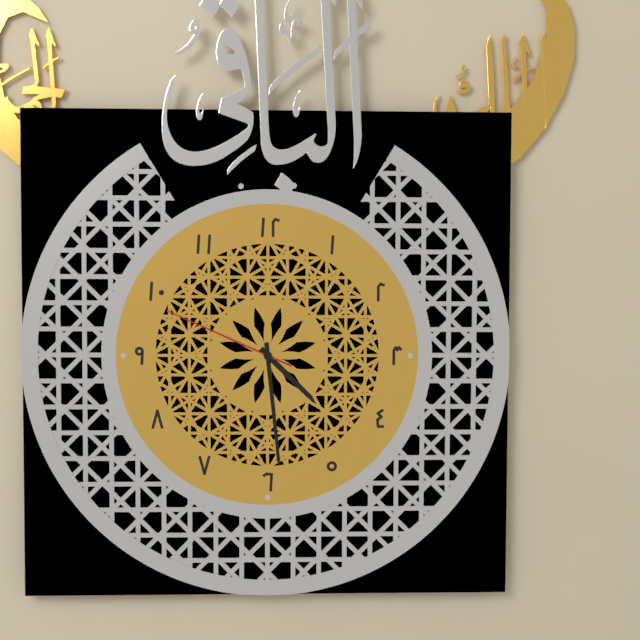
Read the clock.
4:29:49
